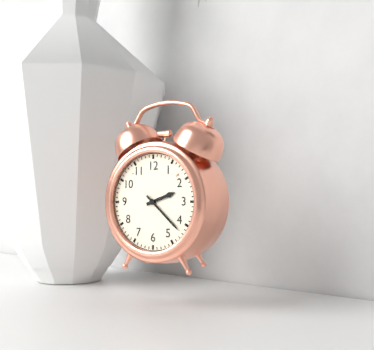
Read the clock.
2:22
